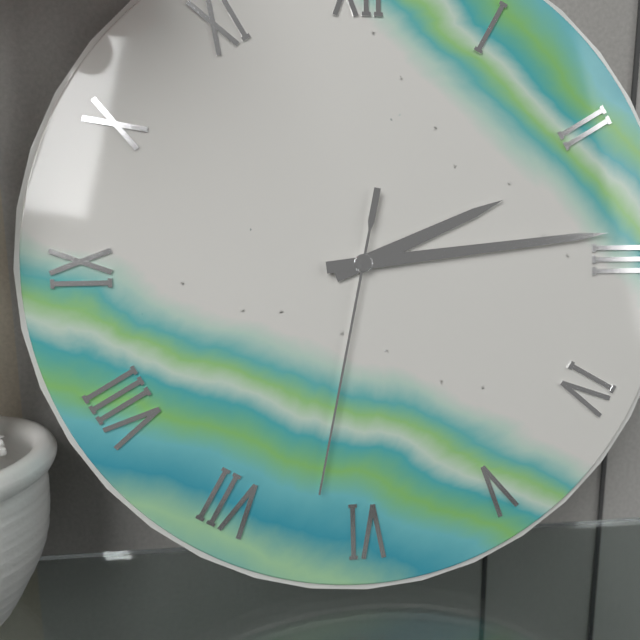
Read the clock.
2:14:32
